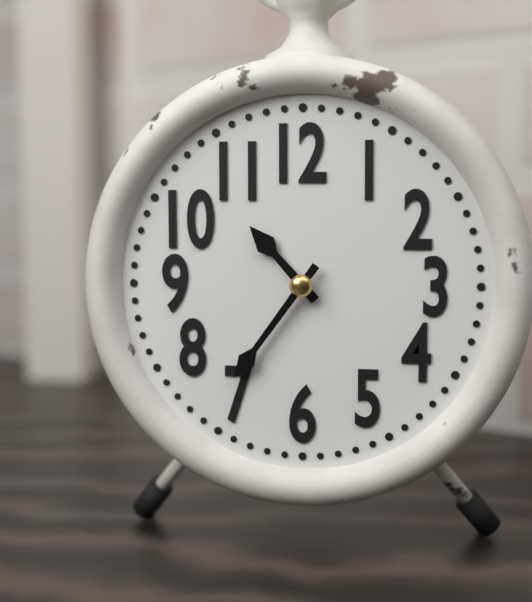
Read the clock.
10:36
